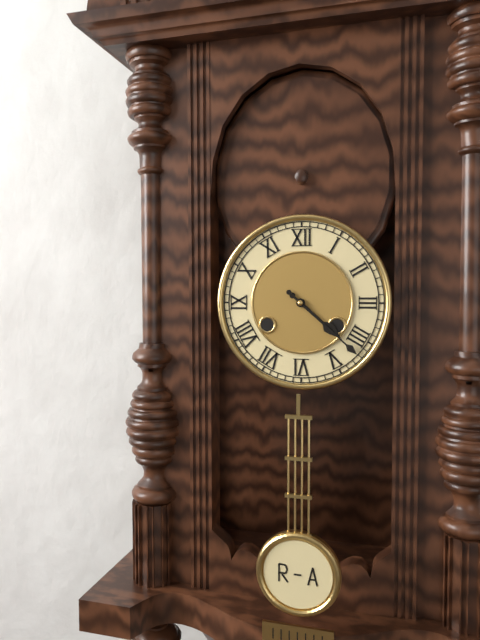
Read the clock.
4:22
